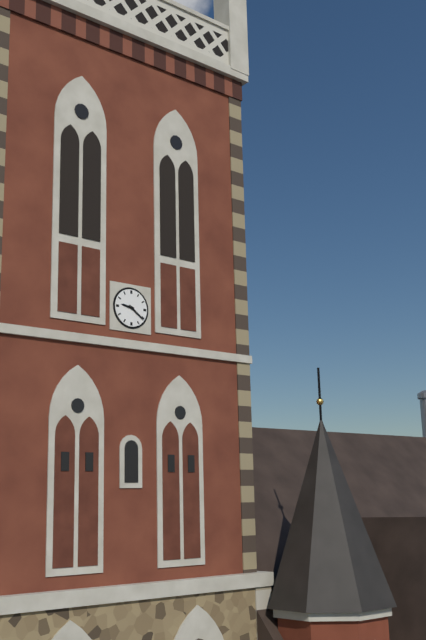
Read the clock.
9:21
